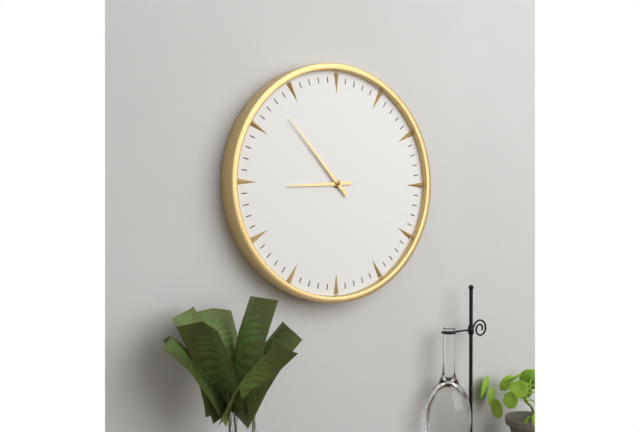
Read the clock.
8:53
